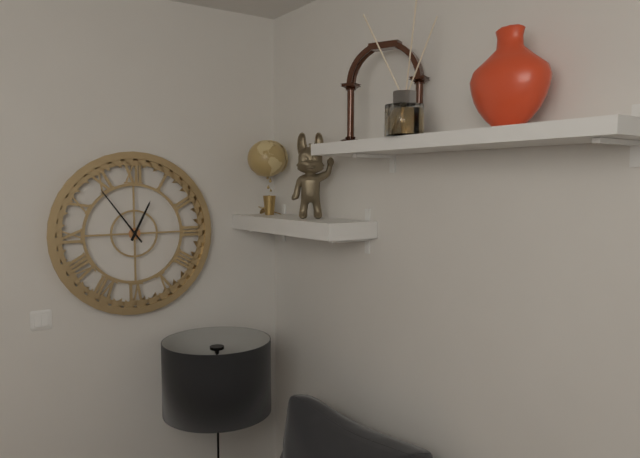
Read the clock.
12:54
